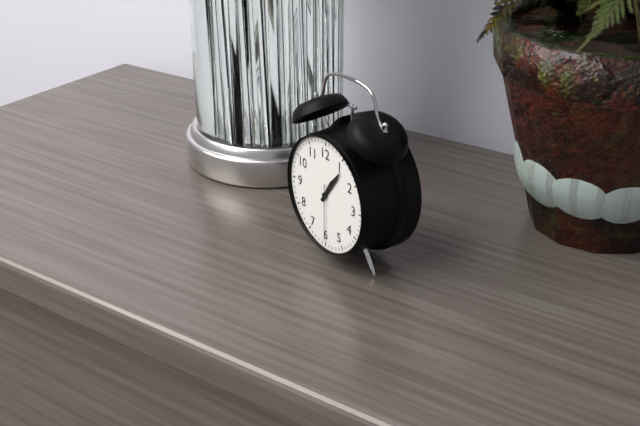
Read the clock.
1:06:30
